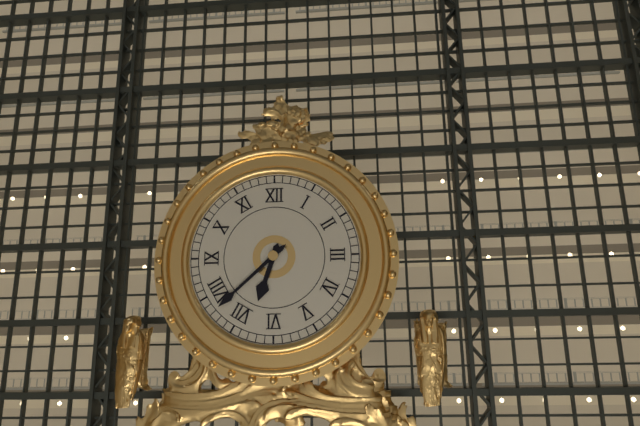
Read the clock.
6:38
